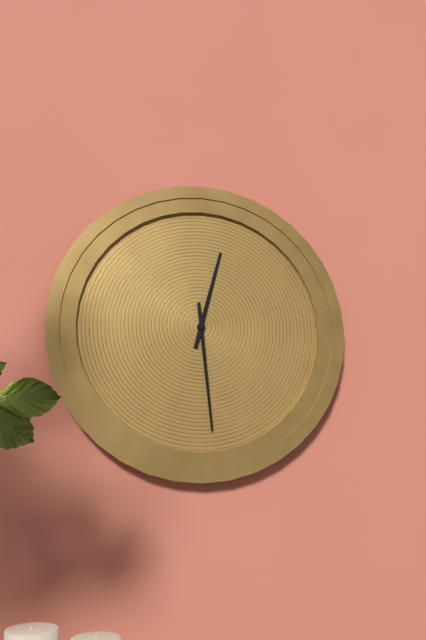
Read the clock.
12:29
